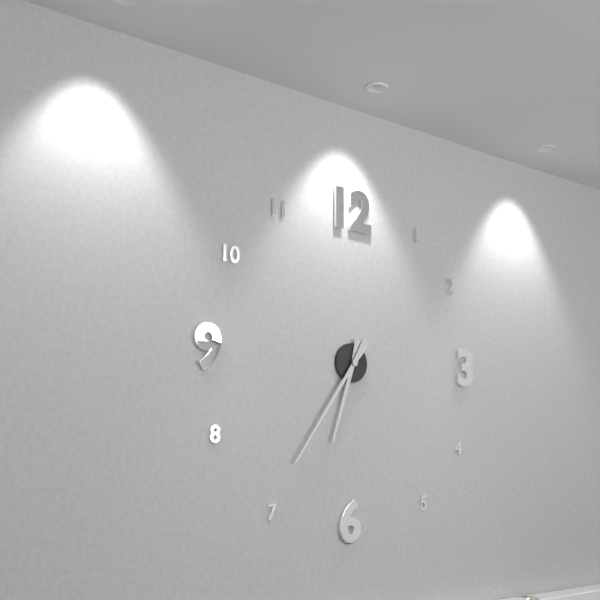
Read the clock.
6:36
